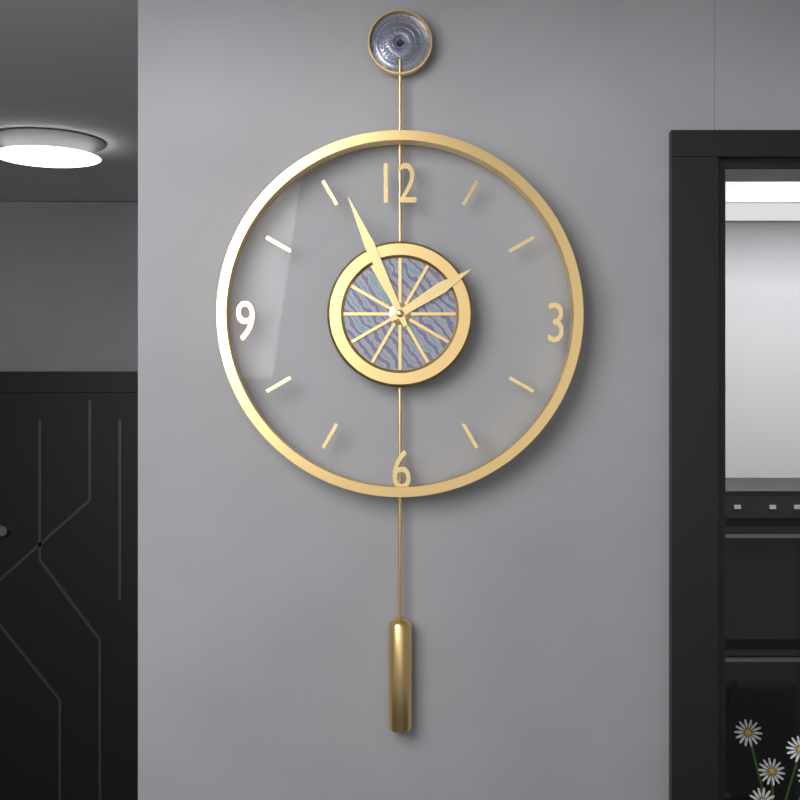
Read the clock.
1:56
